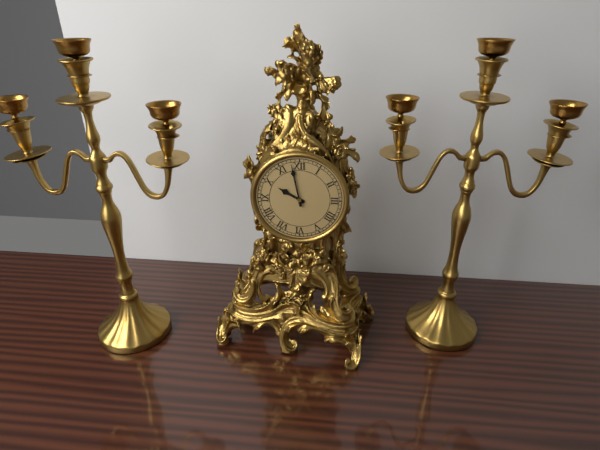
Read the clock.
9:58
